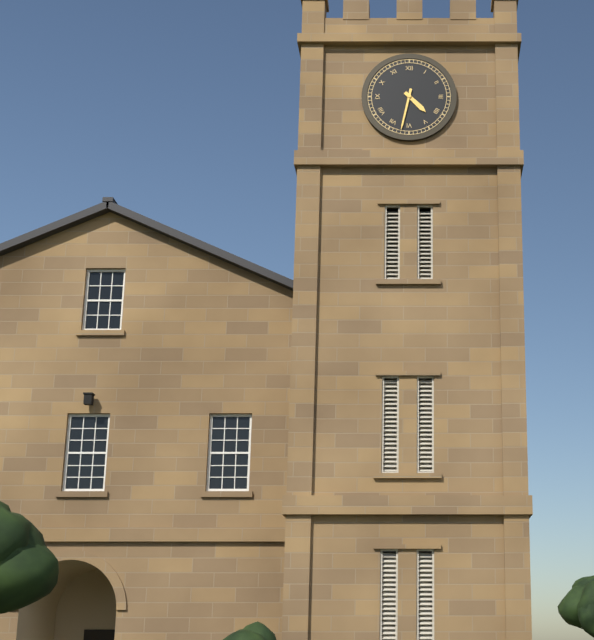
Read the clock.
4:32
